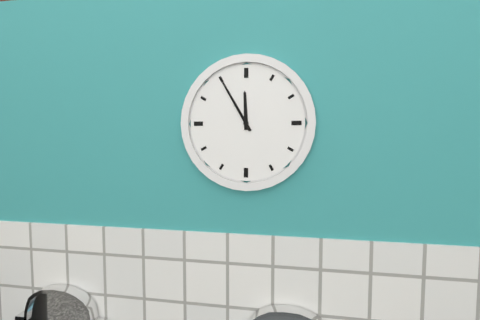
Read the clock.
11:55
